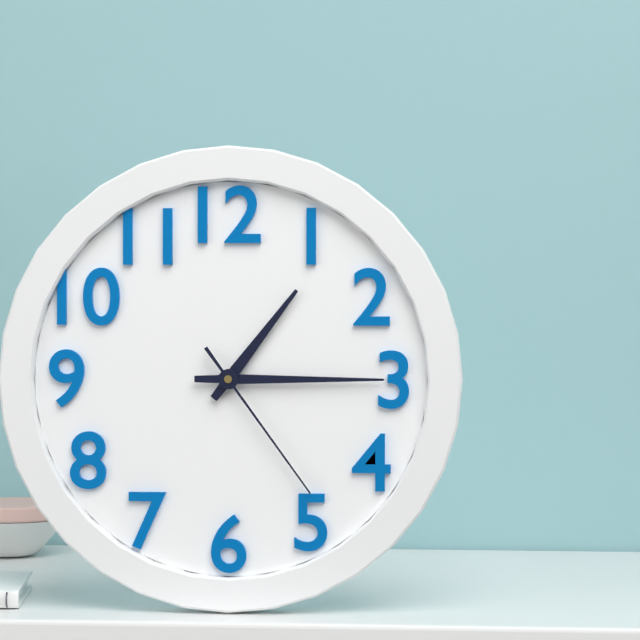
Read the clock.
1:15:24
